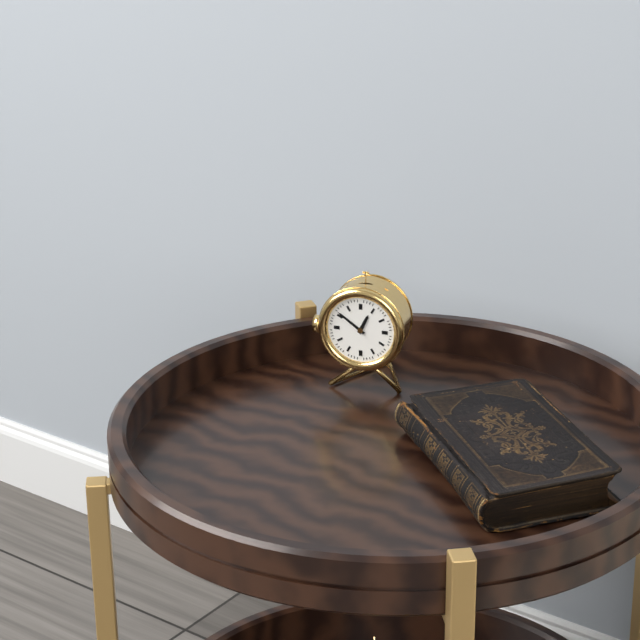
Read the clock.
12:51
